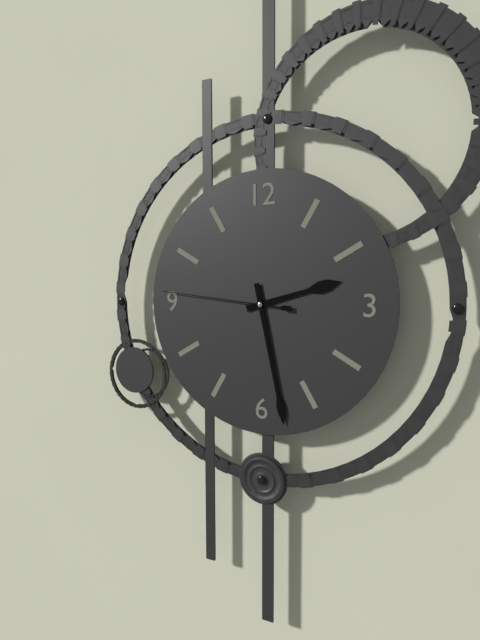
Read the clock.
2:28:46
